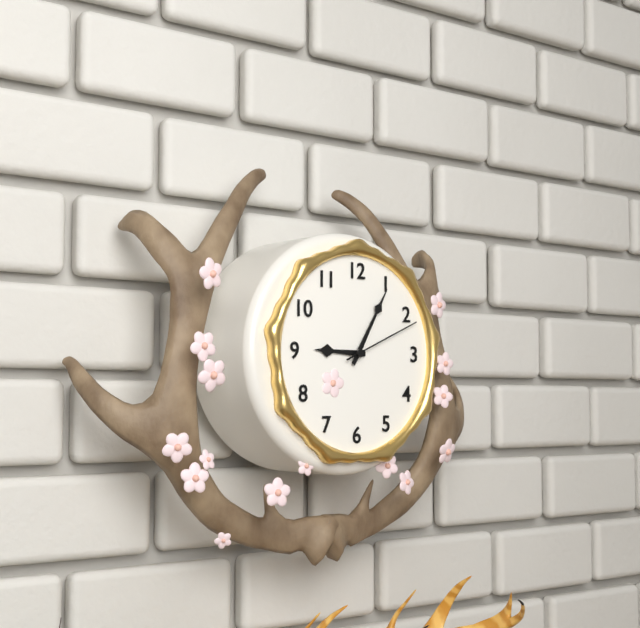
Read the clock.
9:05:11
